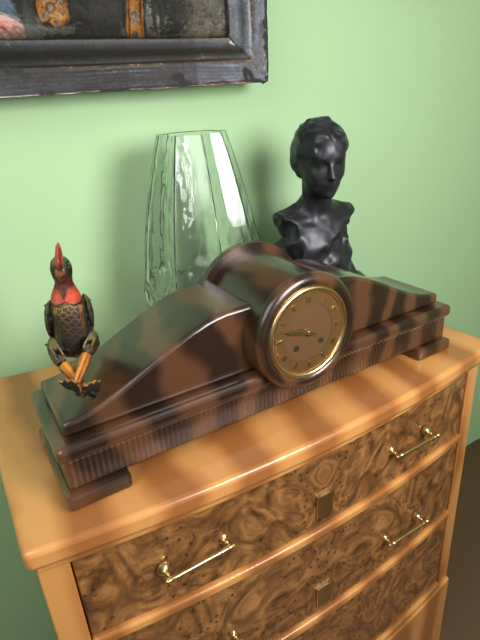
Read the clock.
9:48
